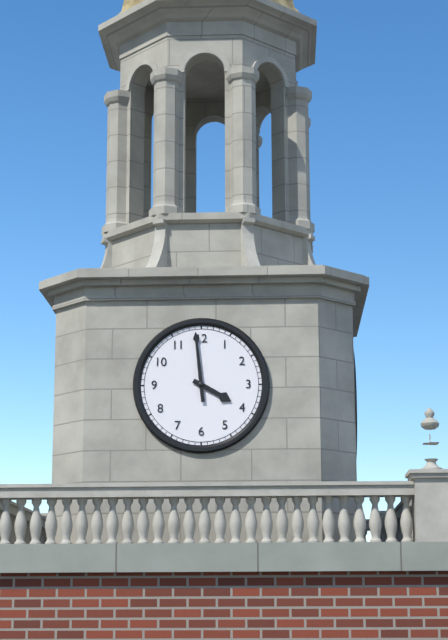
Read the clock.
3:59
